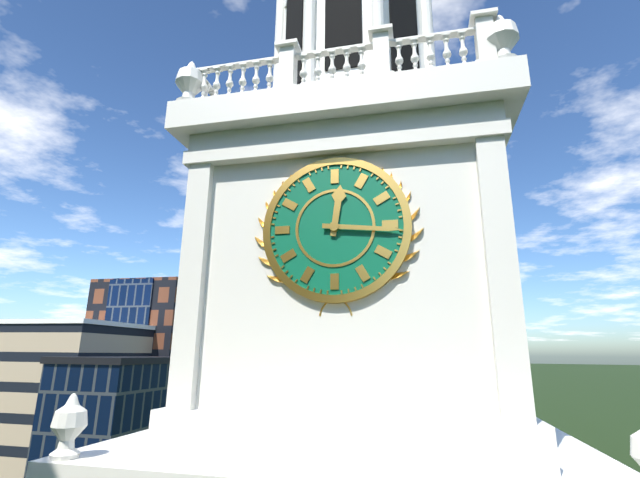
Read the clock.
12:16
